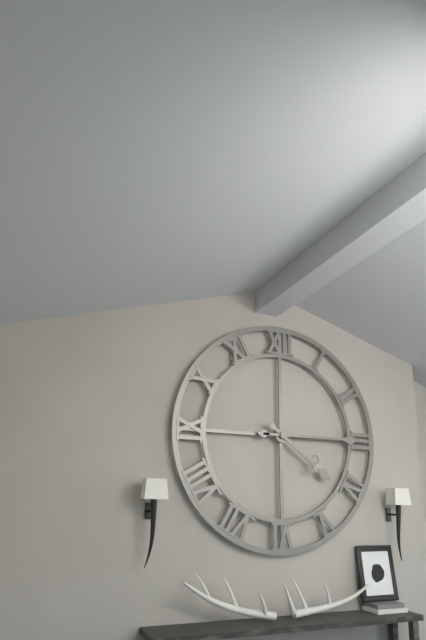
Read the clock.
4:15
